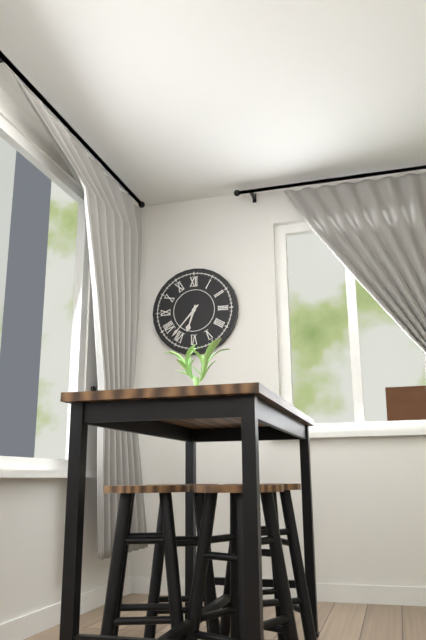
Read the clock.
6:37
